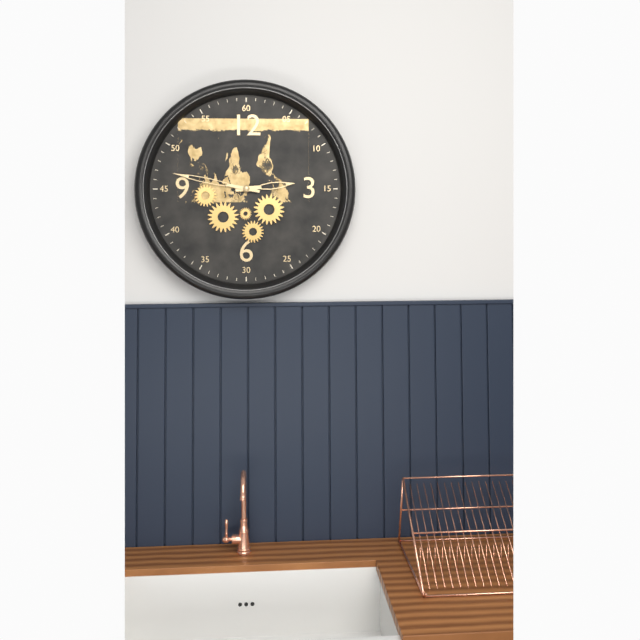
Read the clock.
2:47
